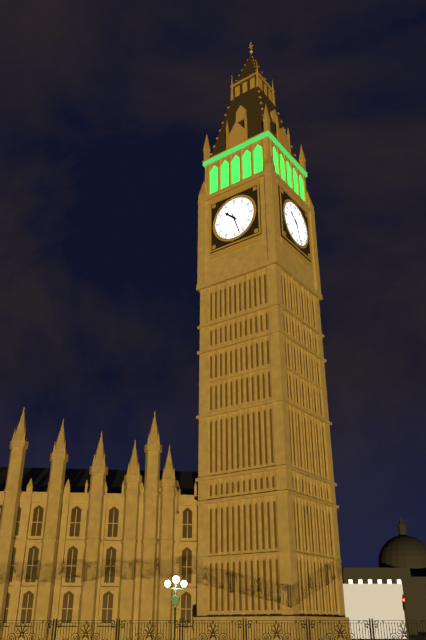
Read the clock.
10:27
